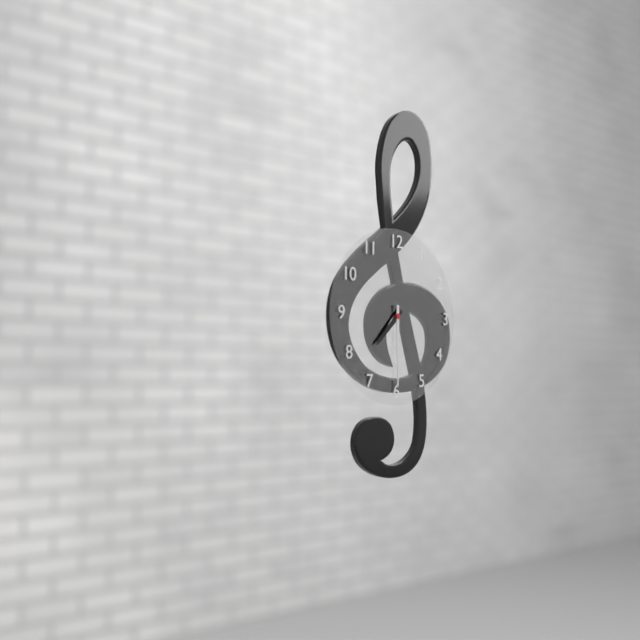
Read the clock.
7:30
